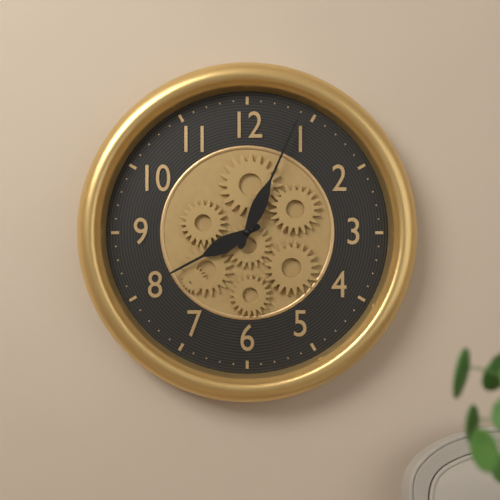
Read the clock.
8:04
